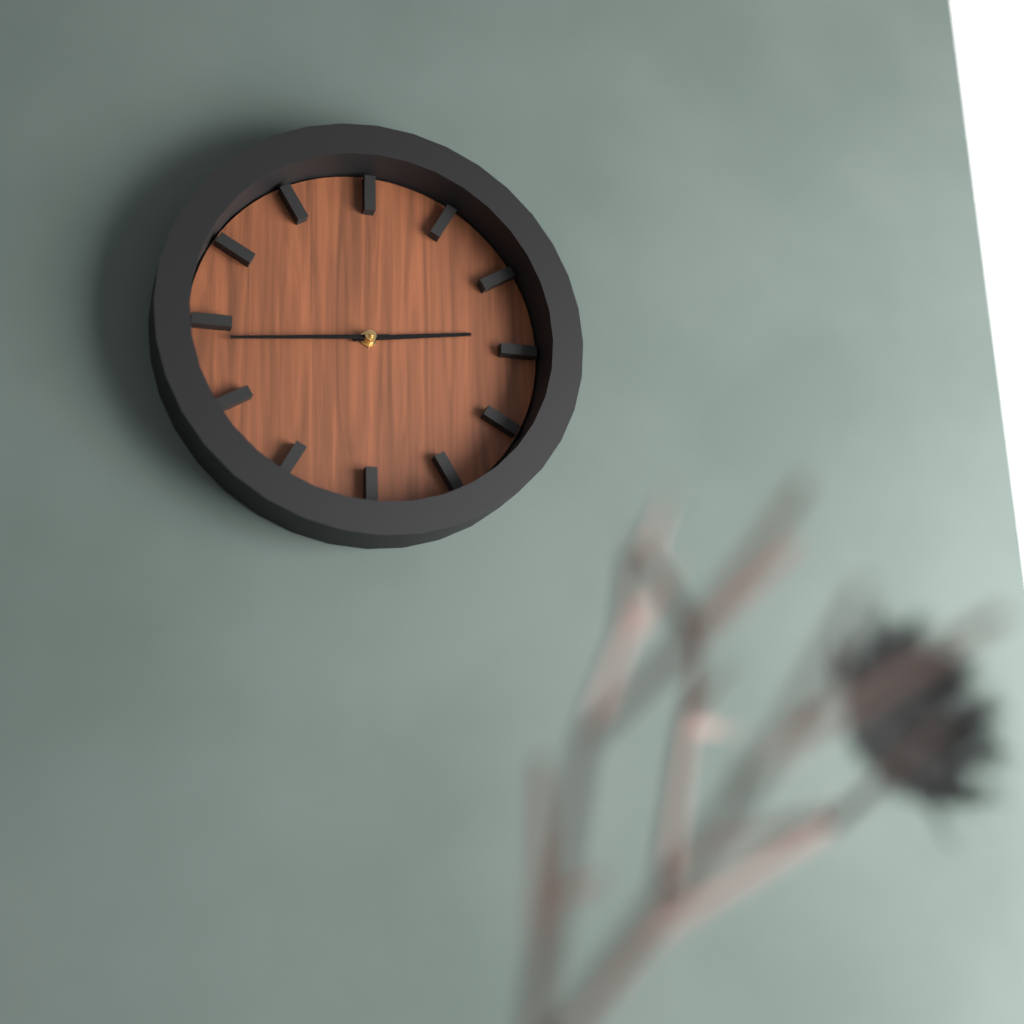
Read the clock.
2:44
